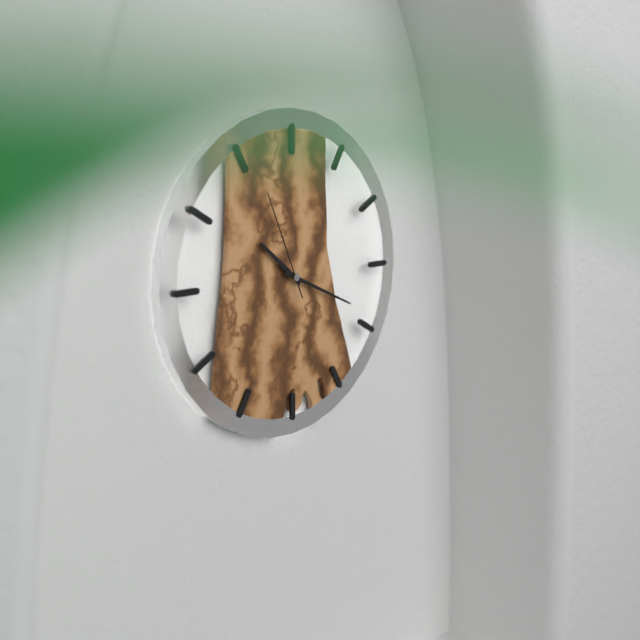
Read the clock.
10:19:56
